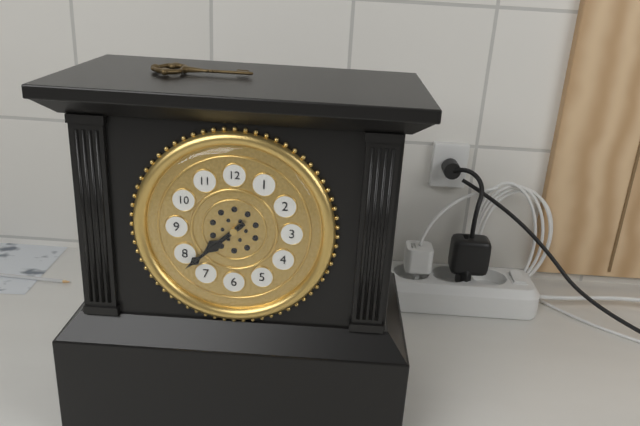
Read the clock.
7:38
